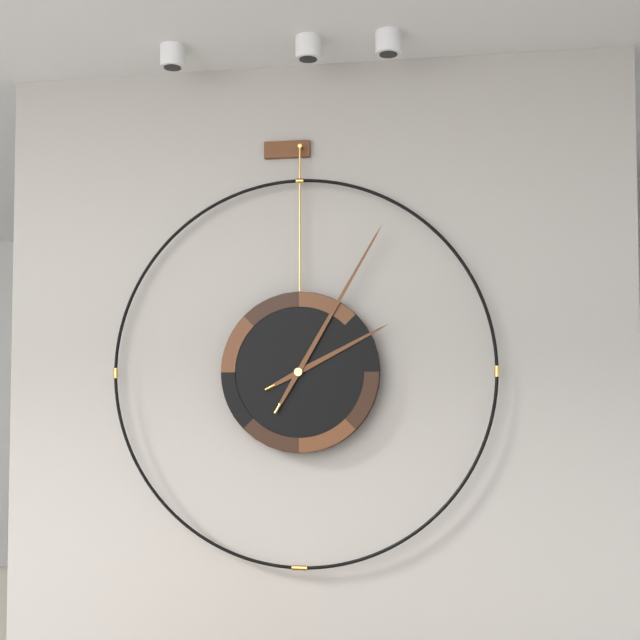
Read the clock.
2:05
